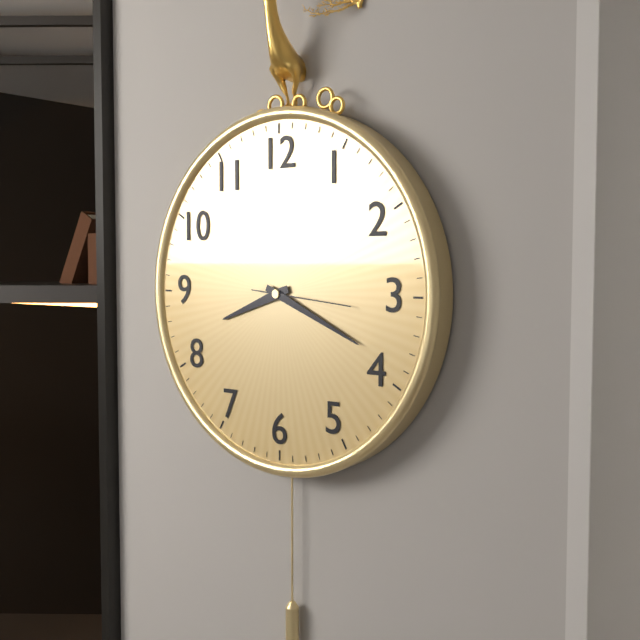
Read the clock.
8:19:16
